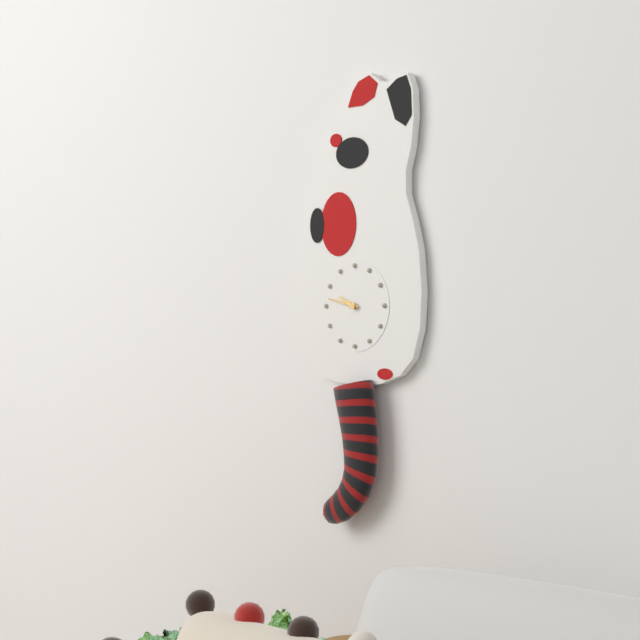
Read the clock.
9:47
